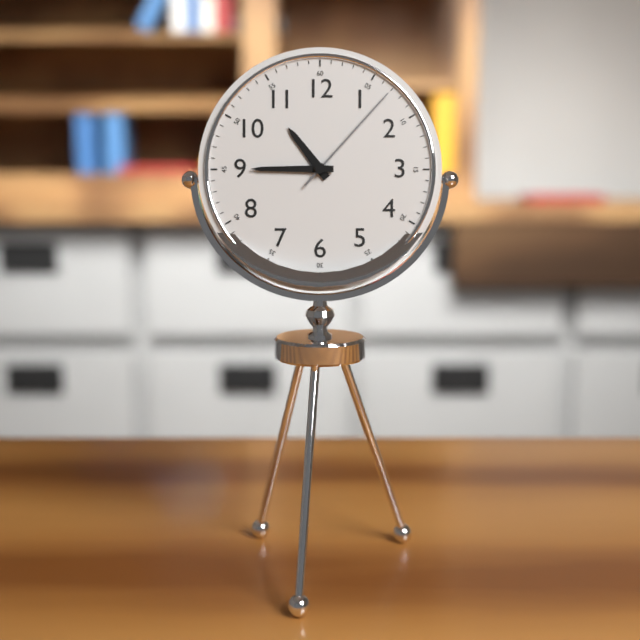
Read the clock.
10:45:07
